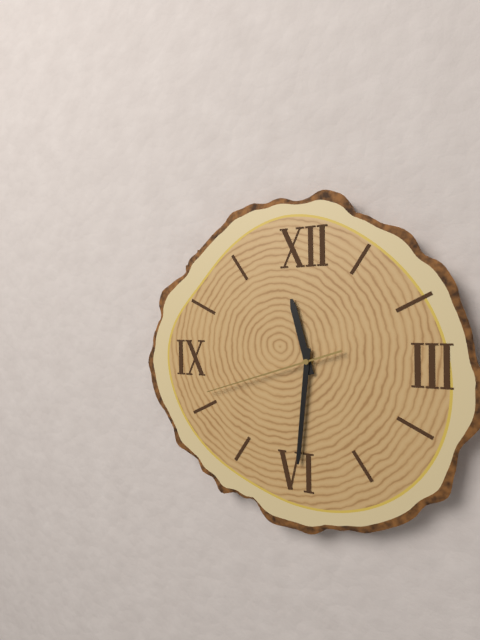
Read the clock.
11:31:42
